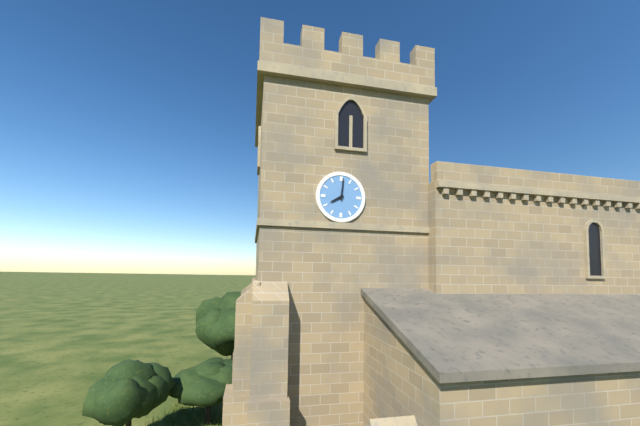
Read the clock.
8:01
